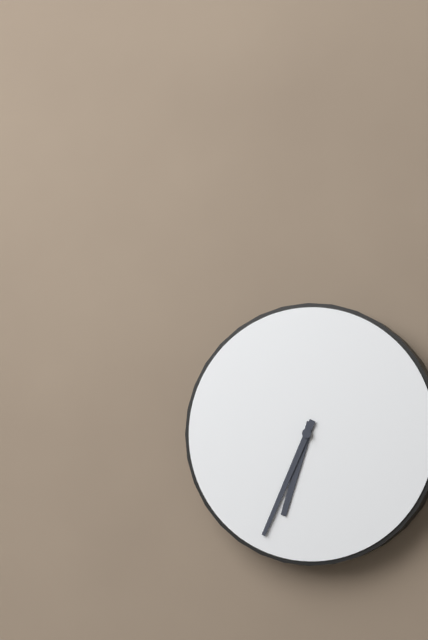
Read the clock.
6:34
